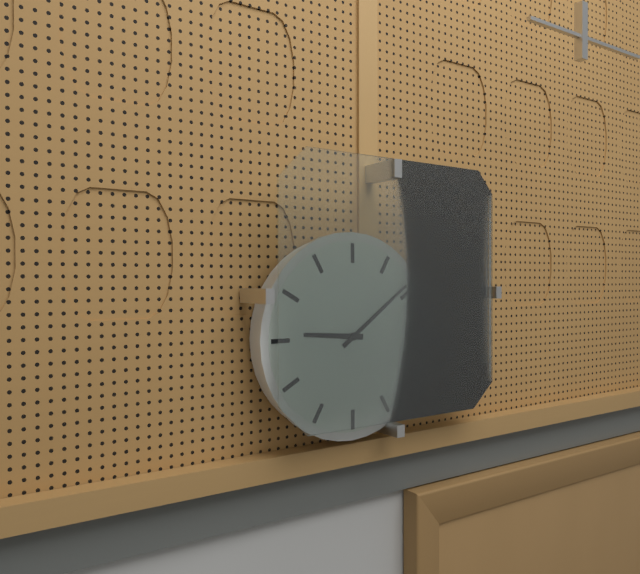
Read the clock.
9:09
